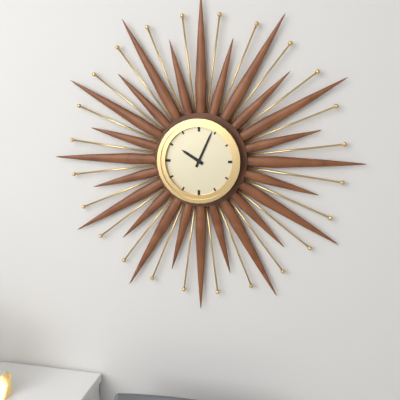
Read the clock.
10:04
